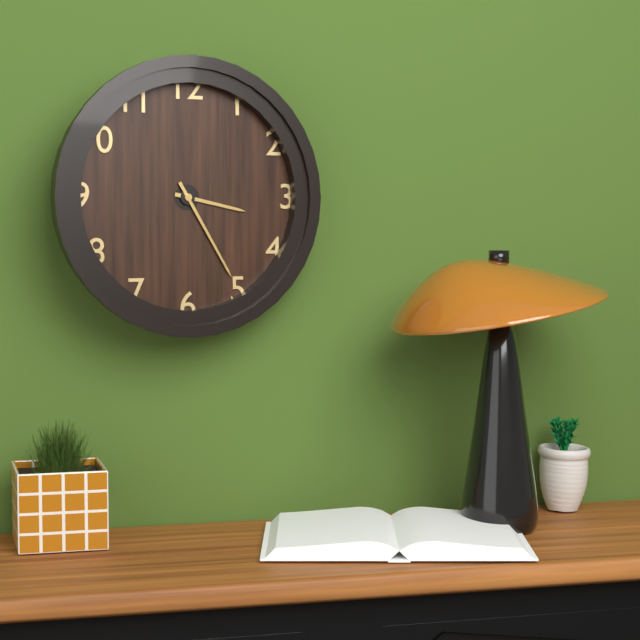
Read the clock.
3:25
